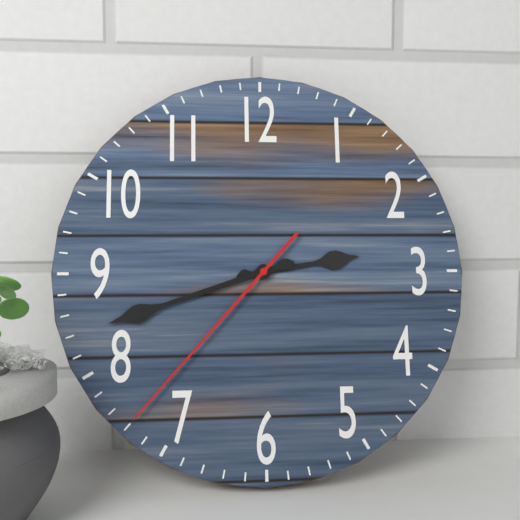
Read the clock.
2:42:37
